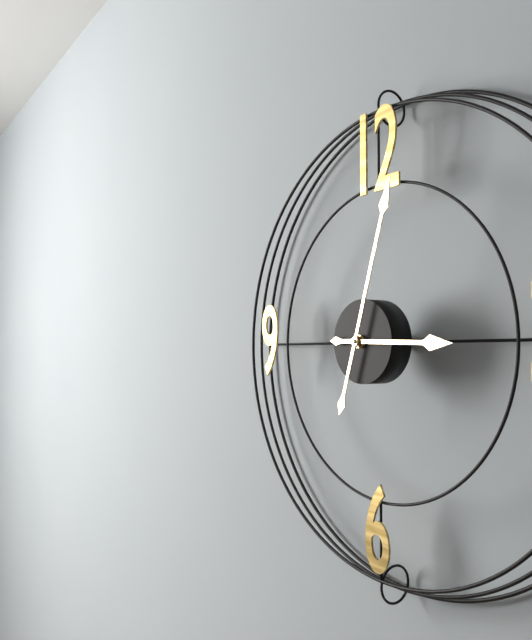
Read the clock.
3:03
